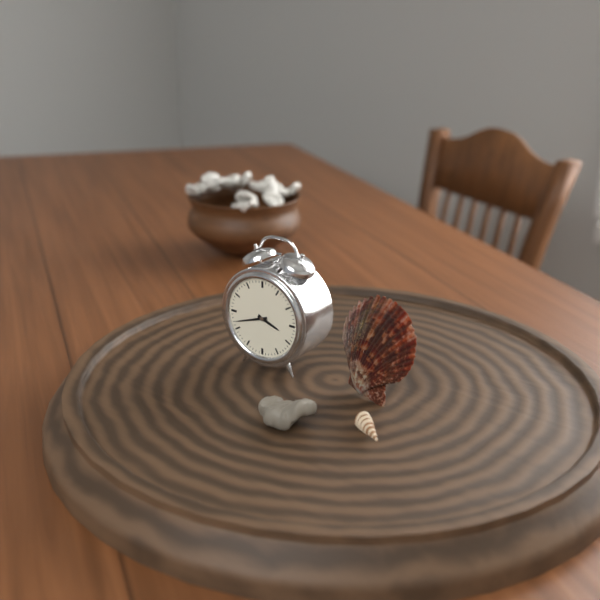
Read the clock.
3:42
